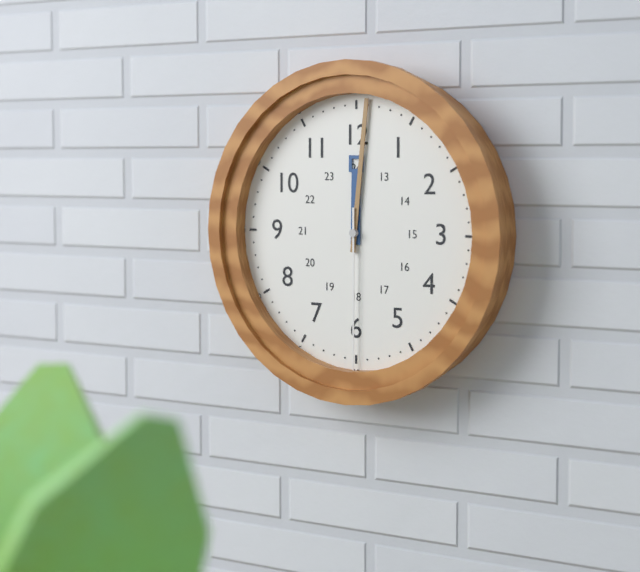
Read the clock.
12:01:30
